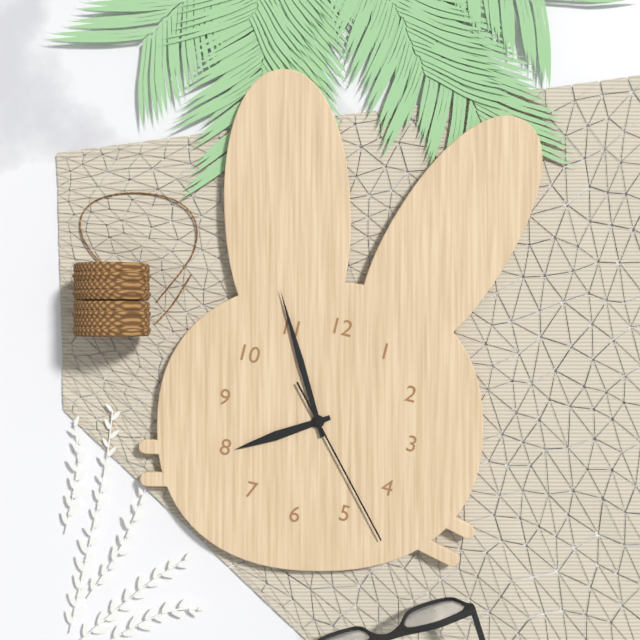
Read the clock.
7:55:23
